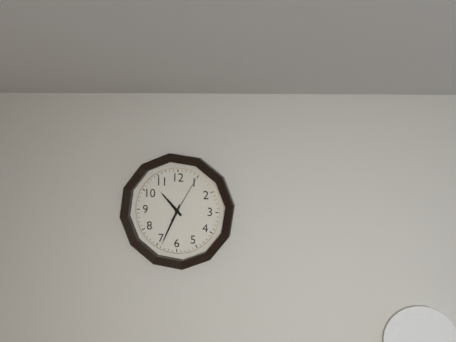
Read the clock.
10:34
